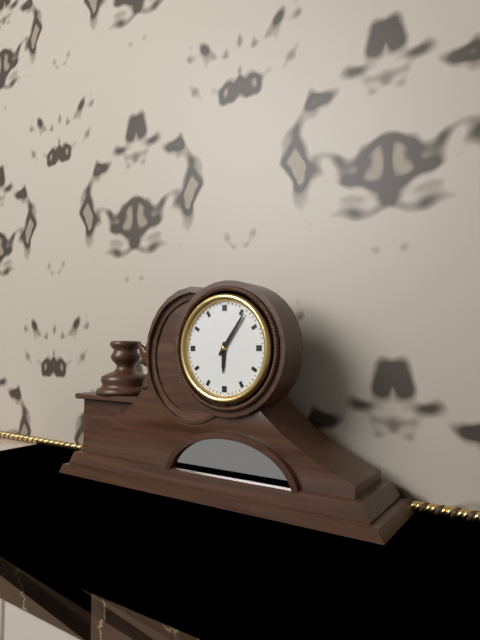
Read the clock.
6:06
